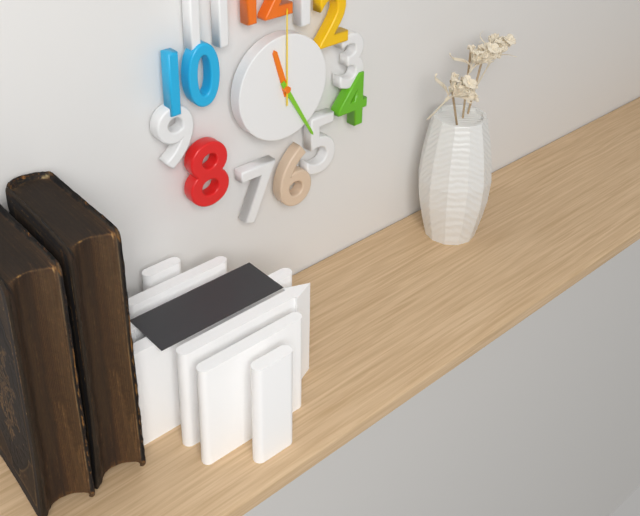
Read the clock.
11:25:00
